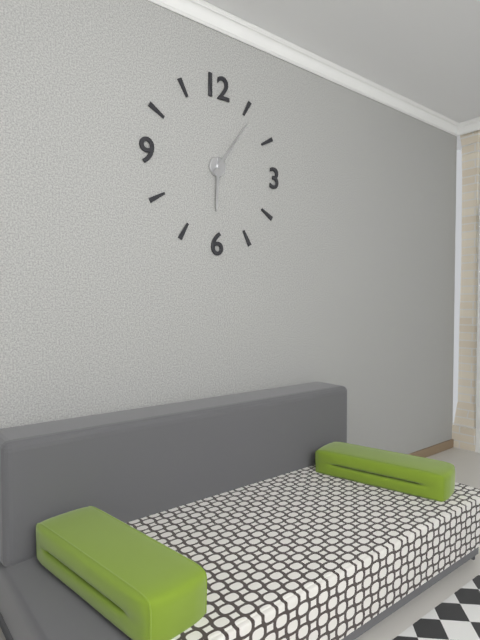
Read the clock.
6:06
